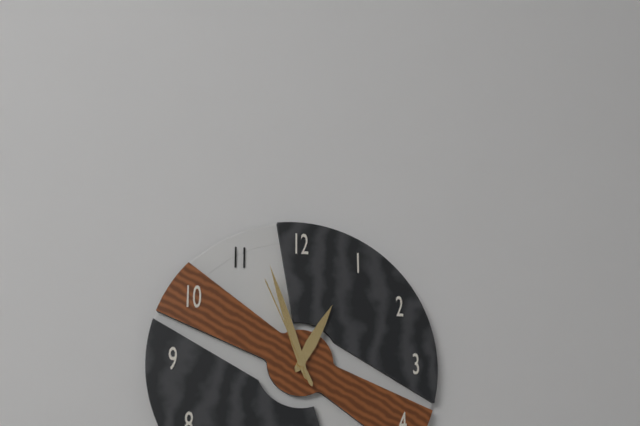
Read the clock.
12:57:56
